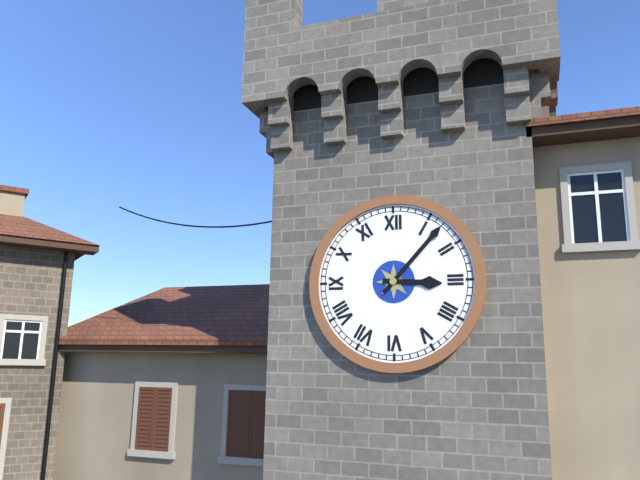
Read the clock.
3:07
